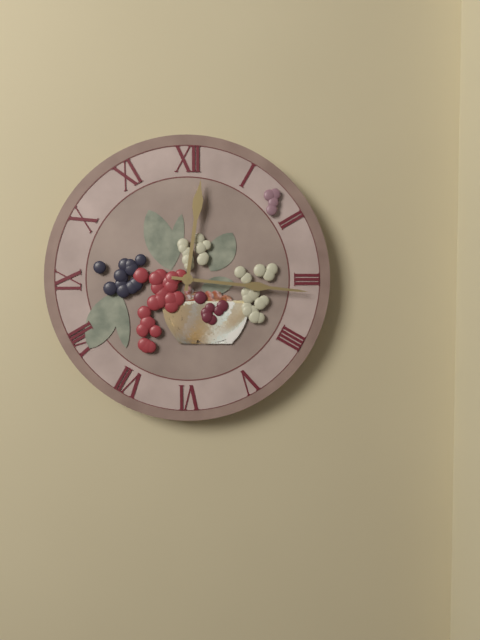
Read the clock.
12:16
